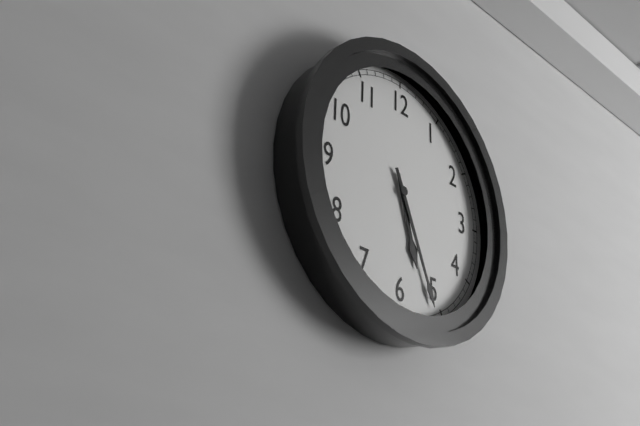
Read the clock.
5:26
